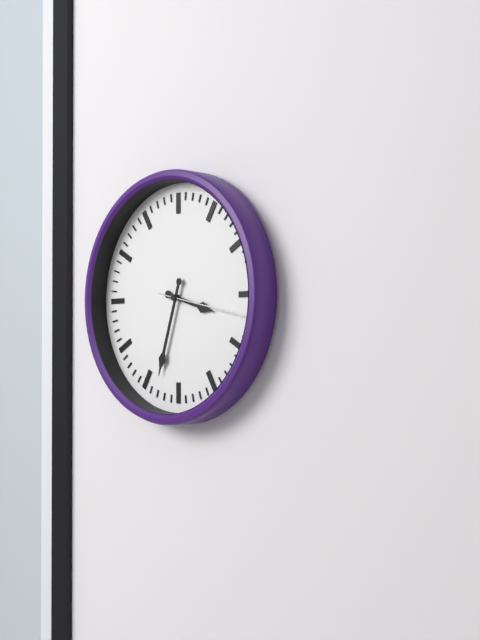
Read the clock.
3:33:17
